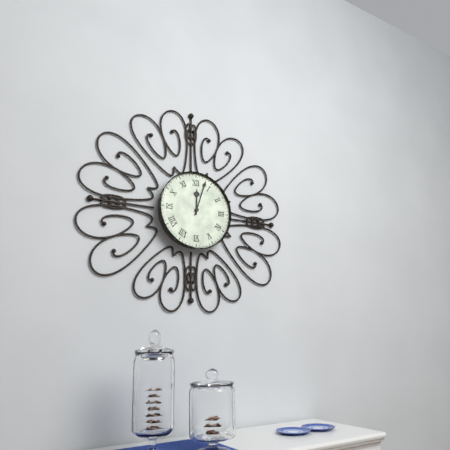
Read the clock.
12:03
